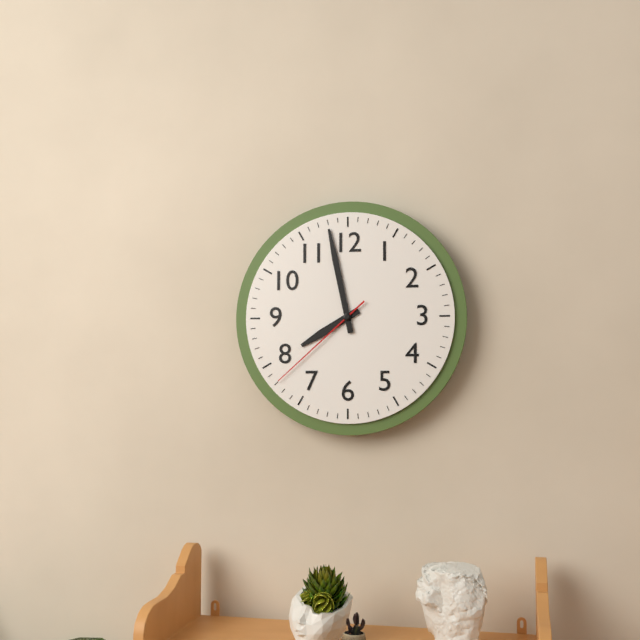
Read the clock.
7:58:38
